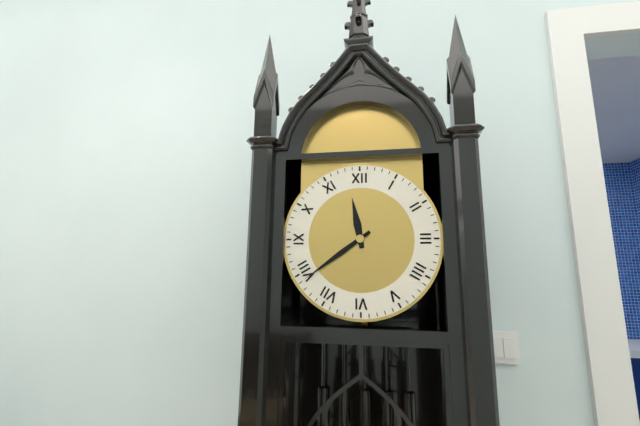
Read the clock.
11:39
